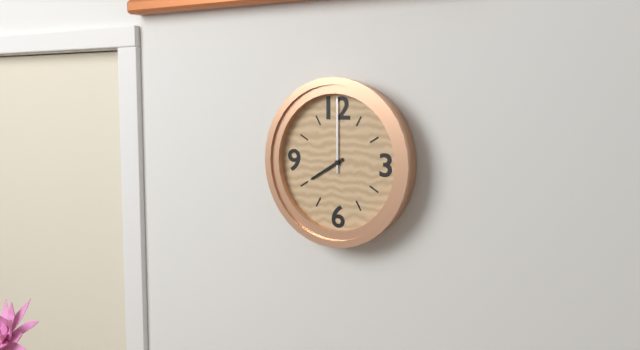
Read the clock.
8:00
